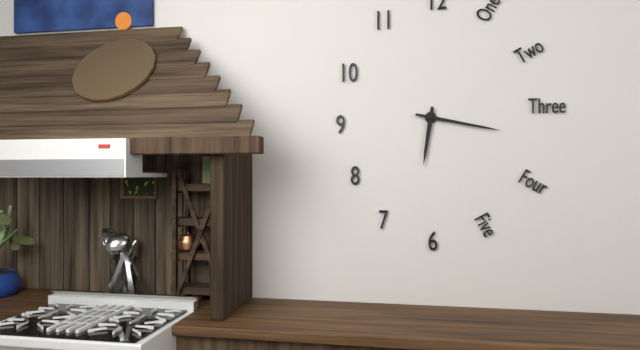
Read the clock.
6:17
